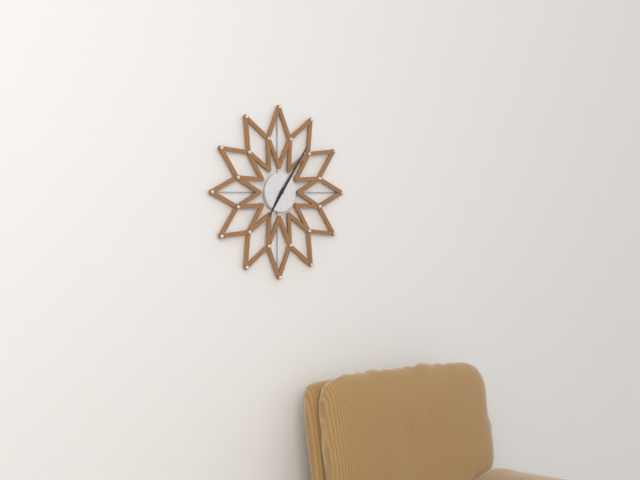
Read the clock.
7:06
